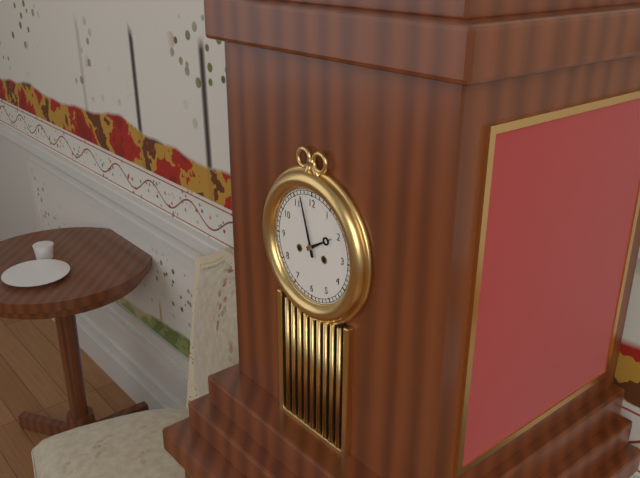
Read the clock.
1:57
